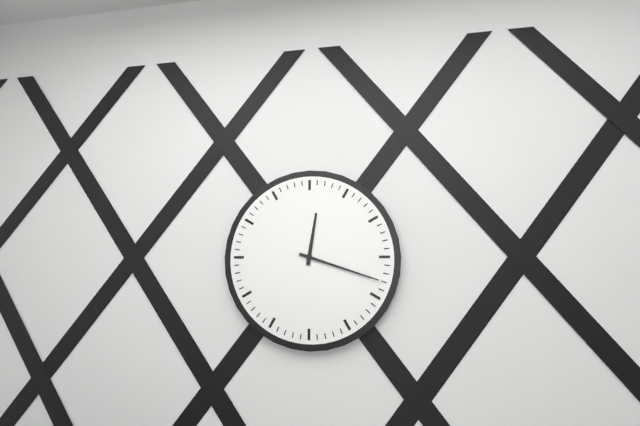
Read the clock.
12:18
